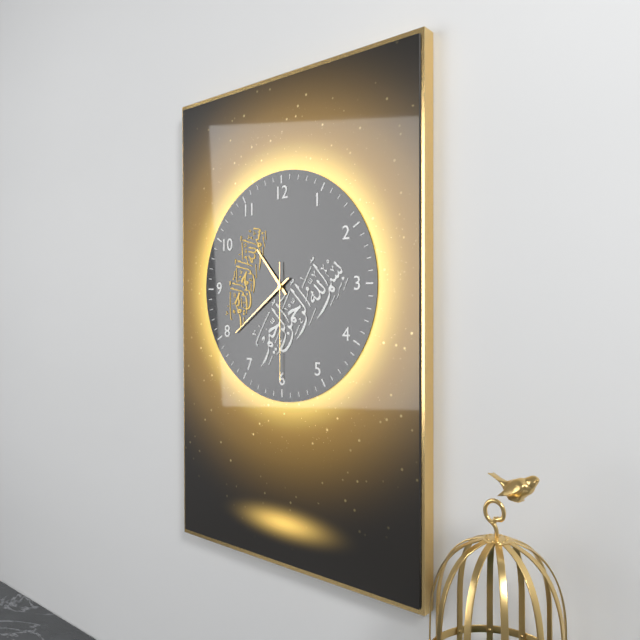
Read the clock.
10:39:30
